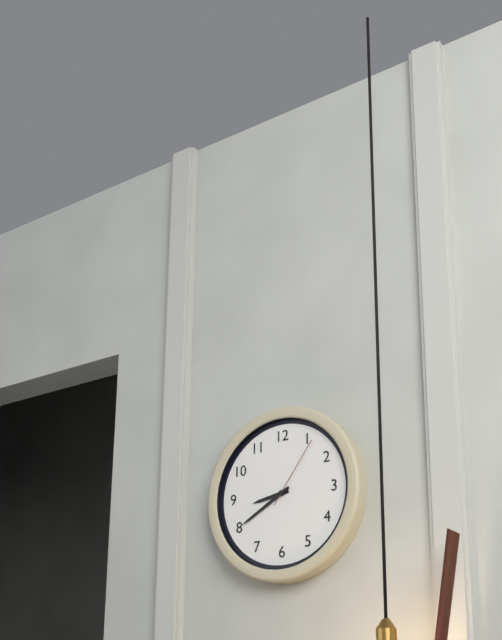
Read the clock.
8:40:06
